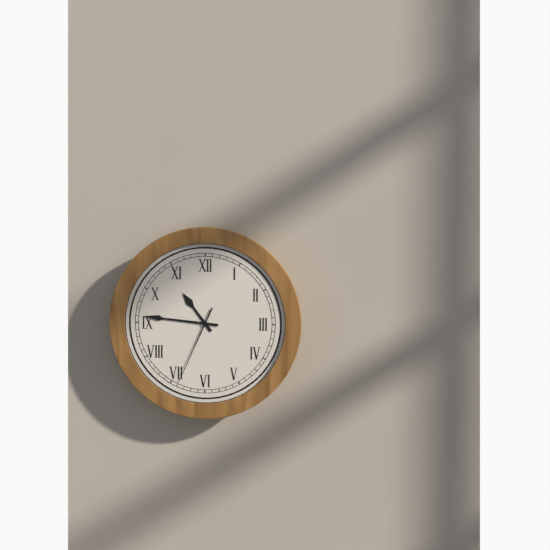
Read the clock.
10:46:34
